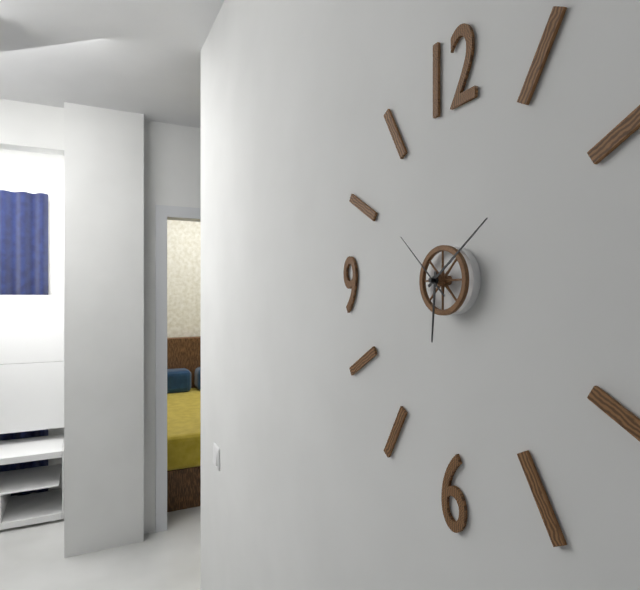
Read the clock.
6:09:52
